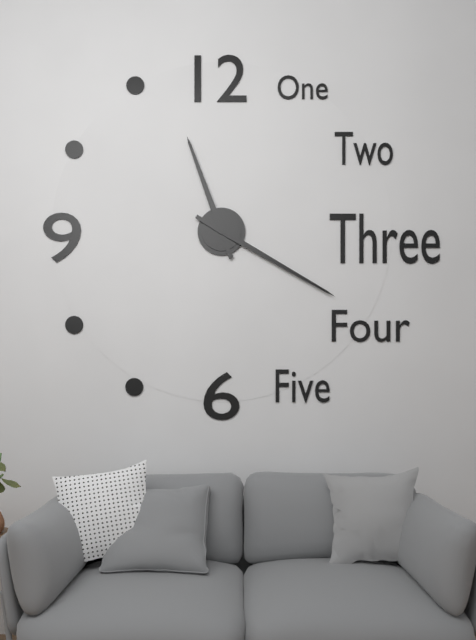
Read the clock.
11:20
